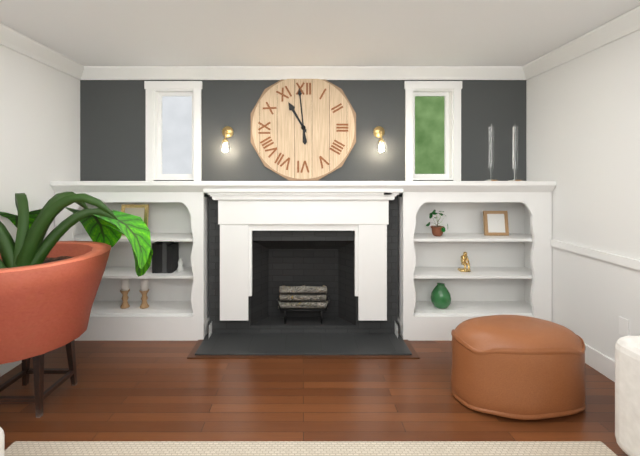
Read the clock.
10:59
